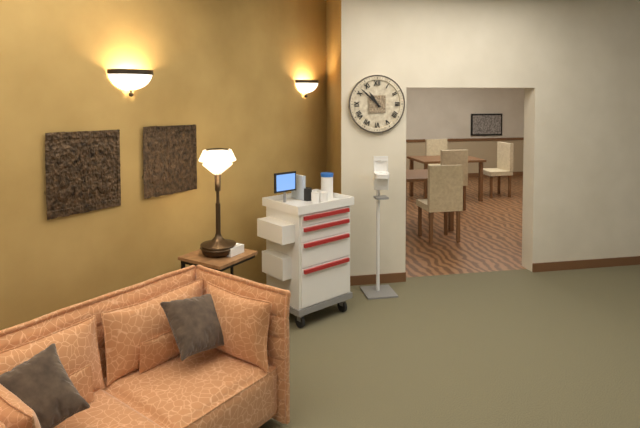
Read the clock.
10:52
